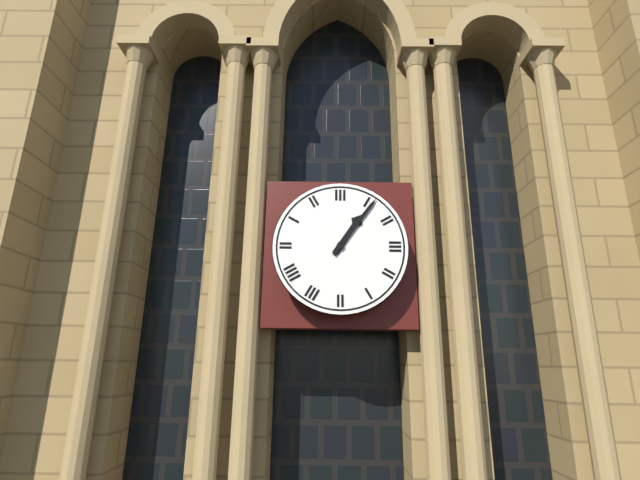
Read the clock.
1:06
